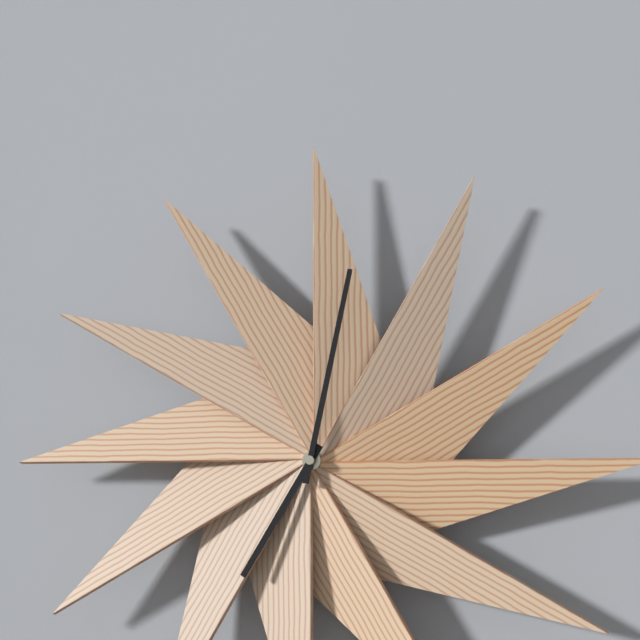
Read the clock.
7:02
